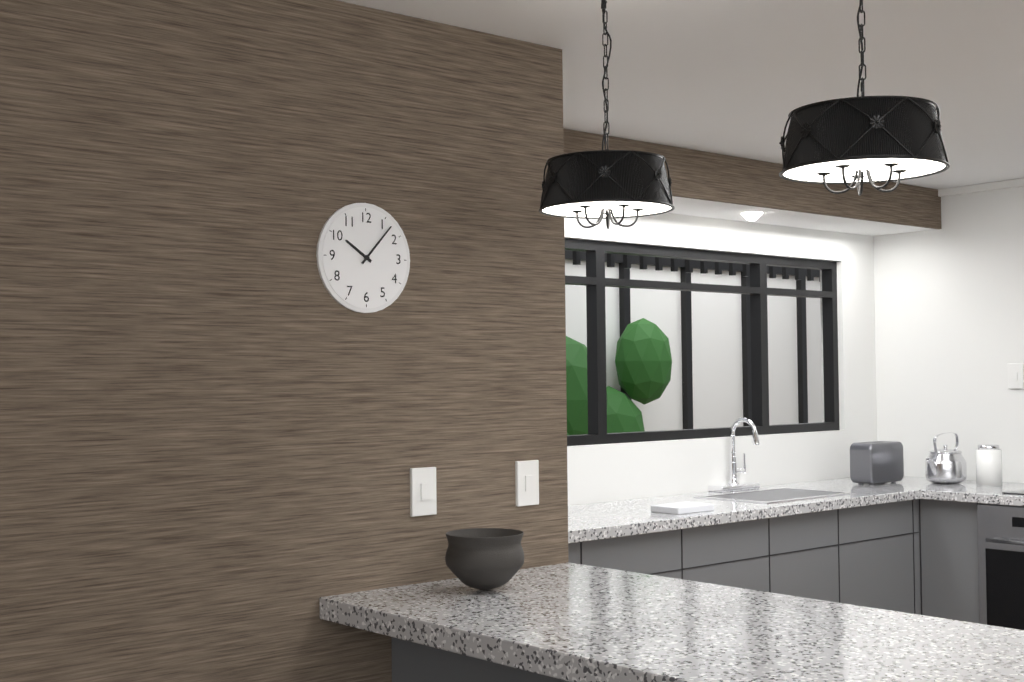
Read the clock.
10:07
